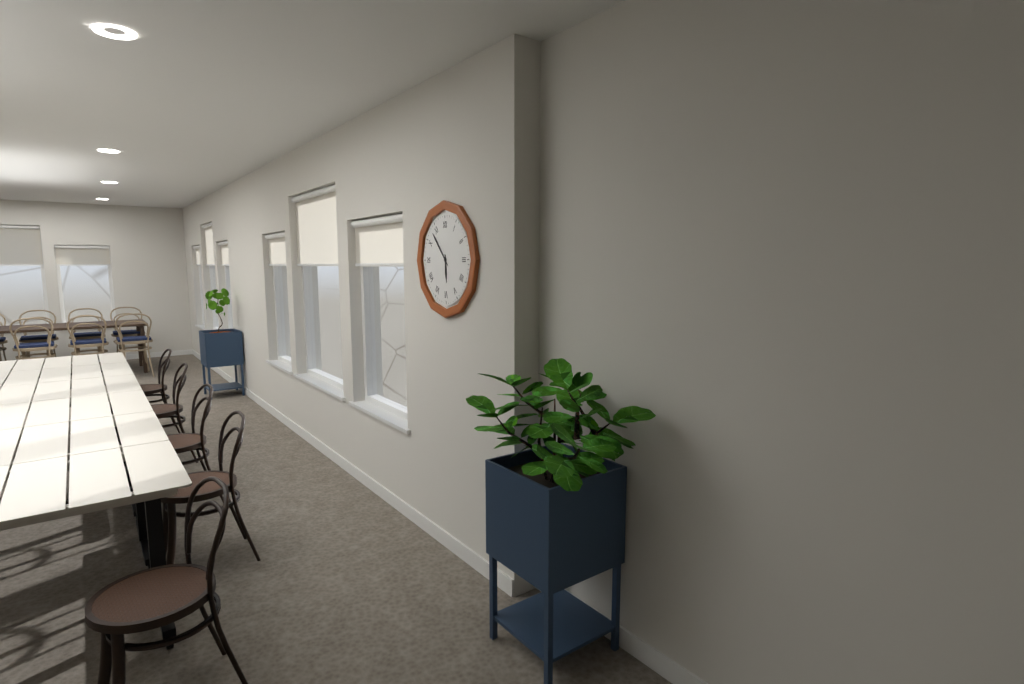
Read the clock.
5:53
